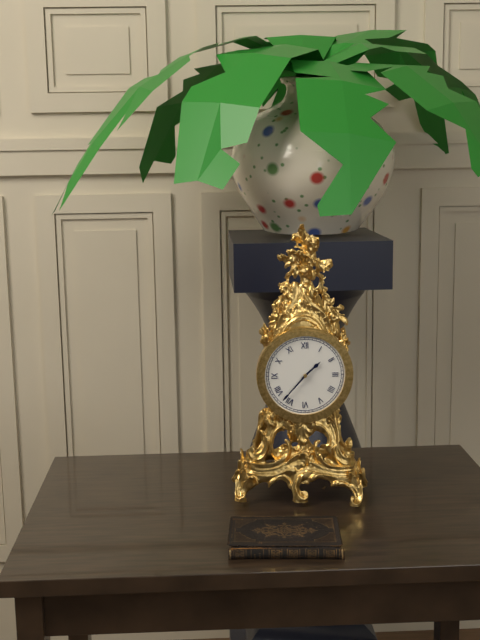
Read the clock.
1:37
